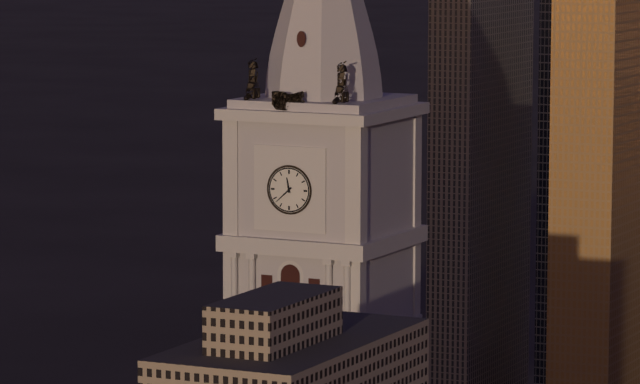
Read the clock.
11:38
